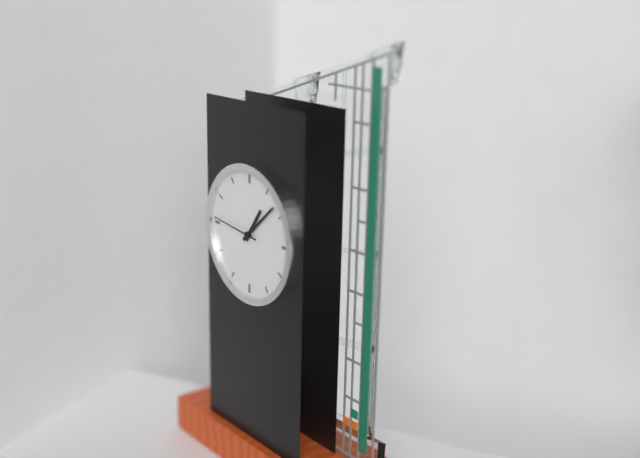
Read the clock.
1:08
